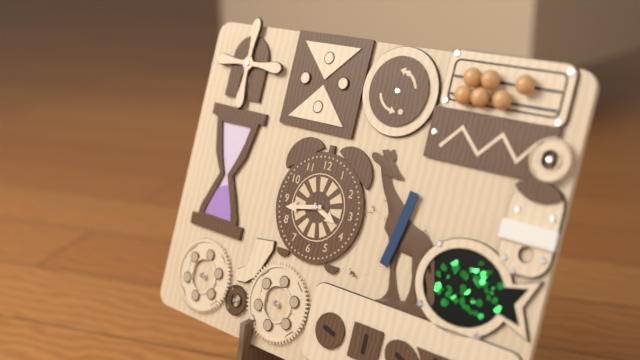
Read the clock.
3:43
